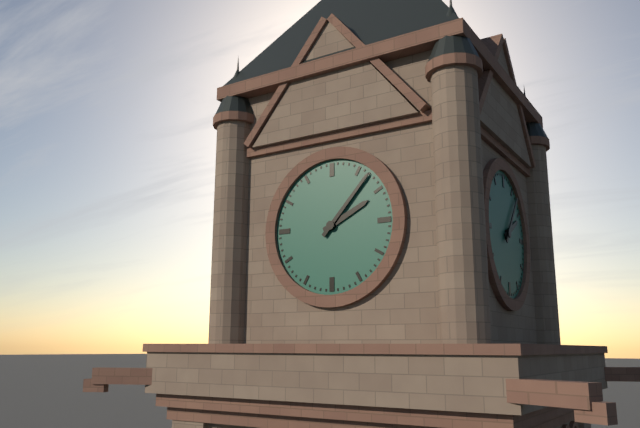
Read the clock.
2:07
